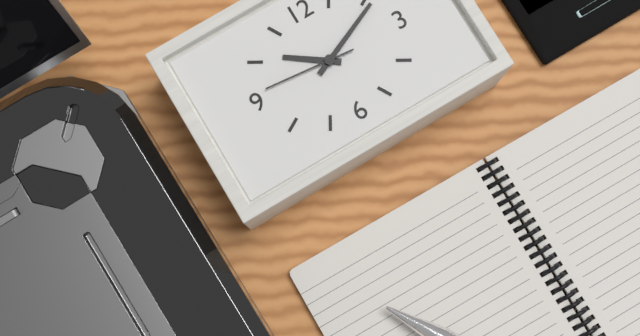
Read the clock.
10:11:46
